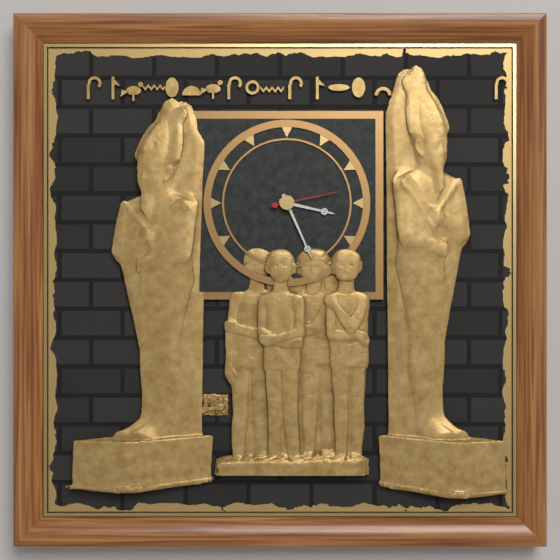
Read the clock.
3:26:13
